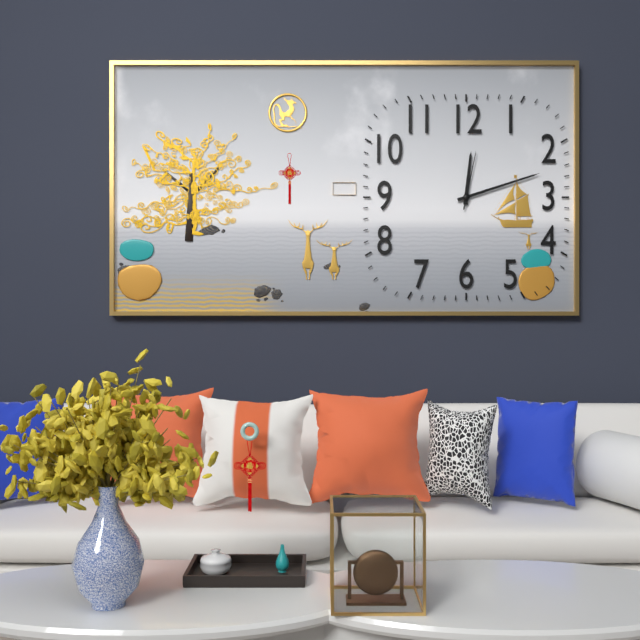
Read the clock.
12:12:02
